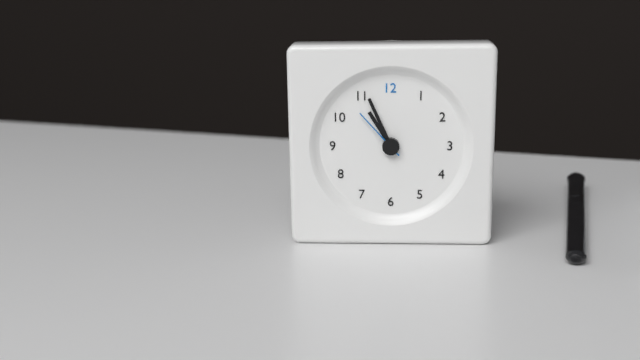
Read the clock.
10:56:53
